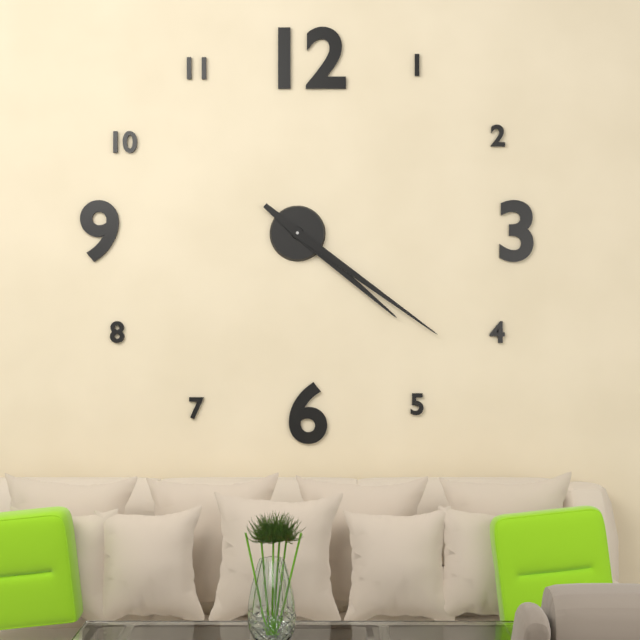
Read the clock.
4:21
